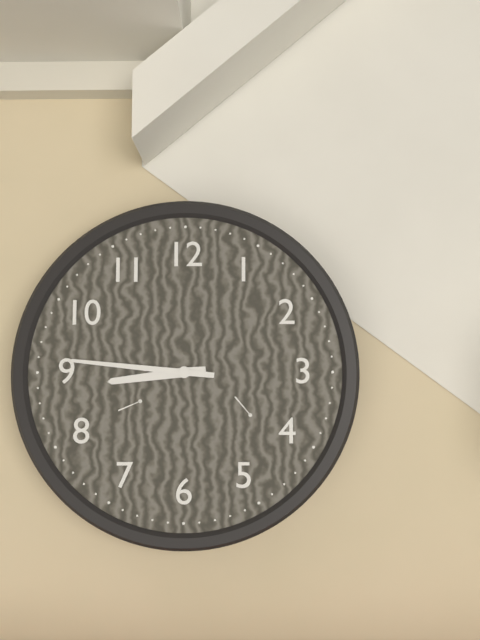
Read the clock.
8:46
